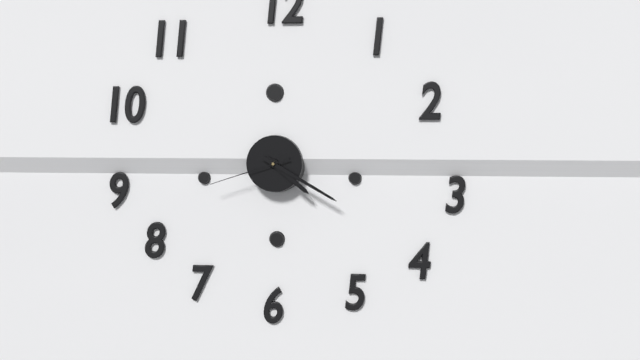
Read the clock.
4:20:42
